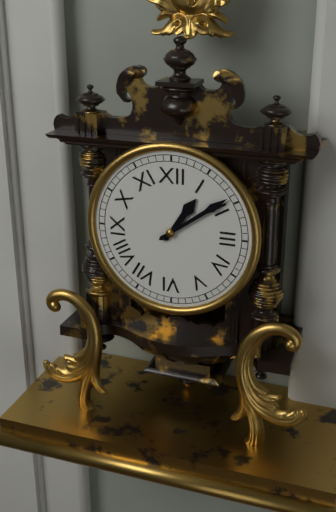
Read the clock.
1:09
